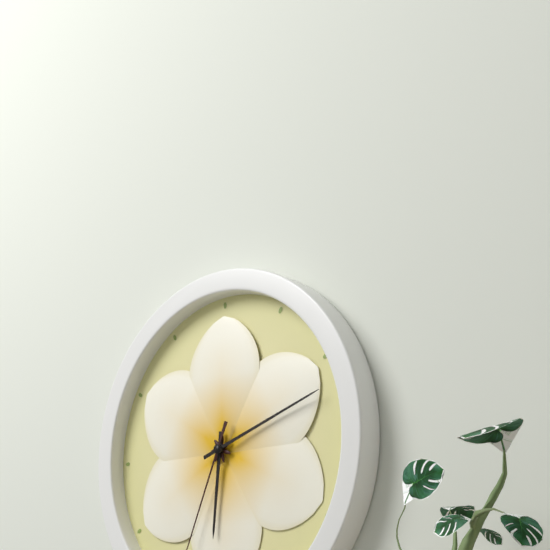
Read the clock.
6:12
